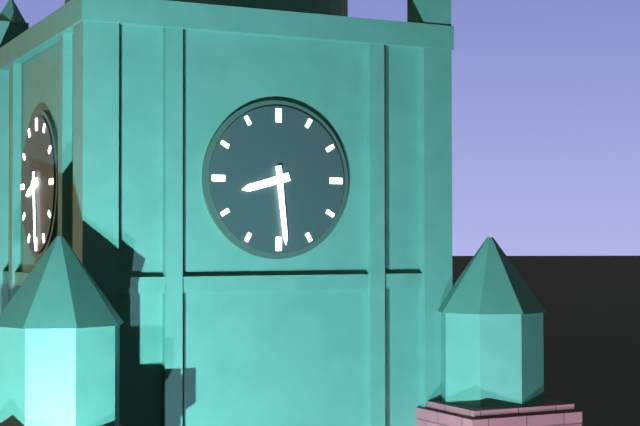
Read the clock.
8:29
